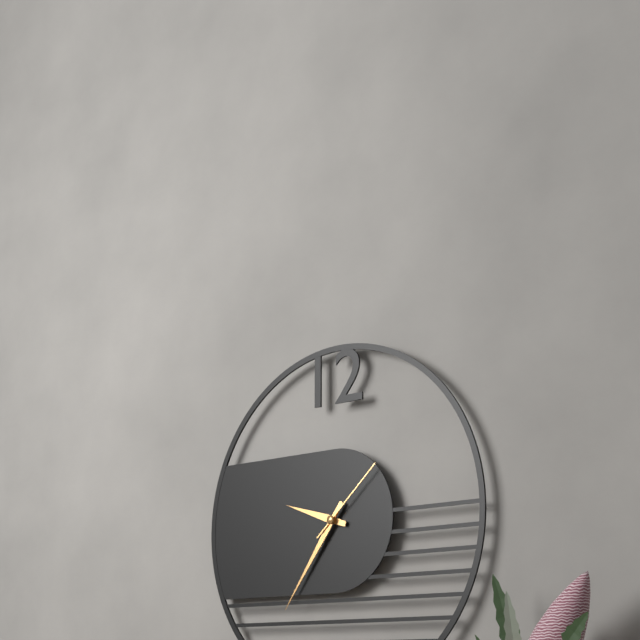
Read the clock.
9:36:08
